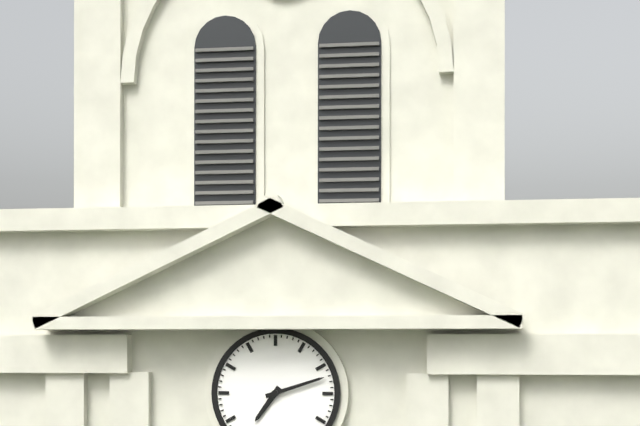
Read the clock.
7:12
